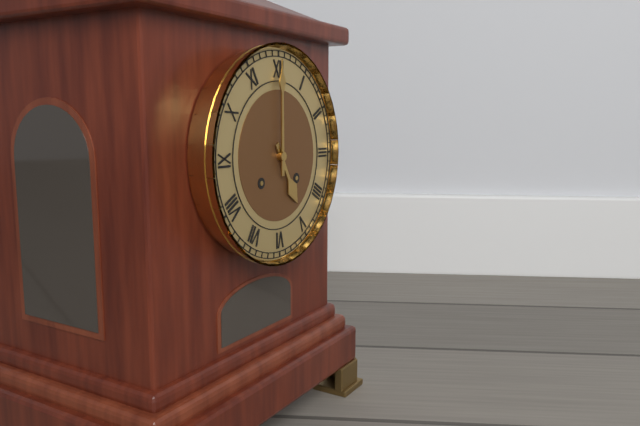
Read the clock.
5:00
